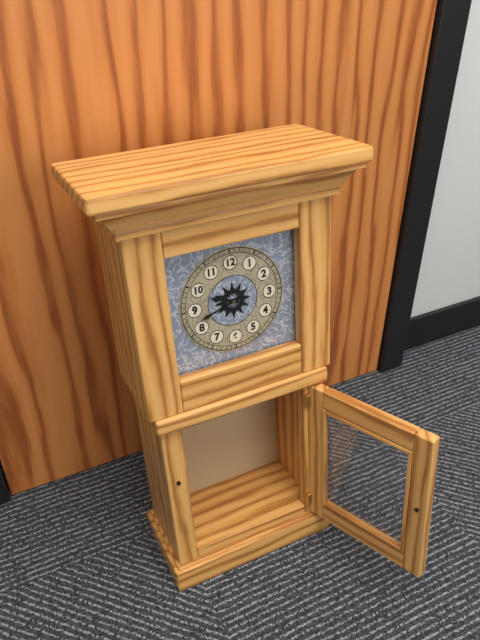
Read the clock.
9:42
